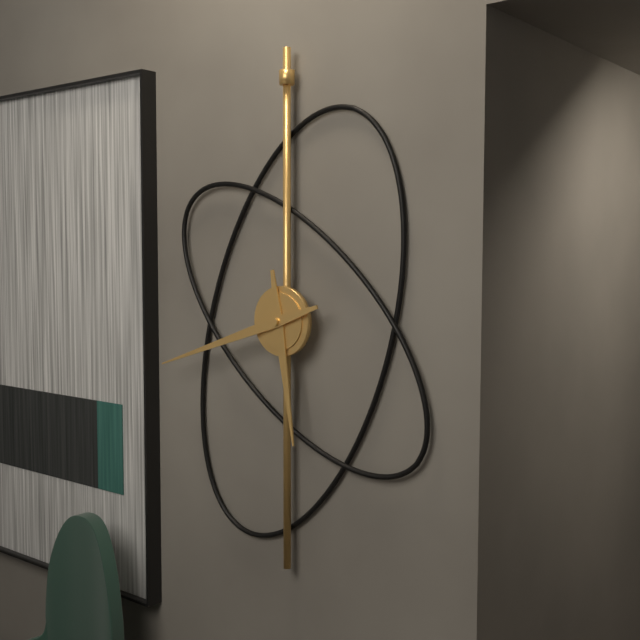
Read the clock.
5:42
